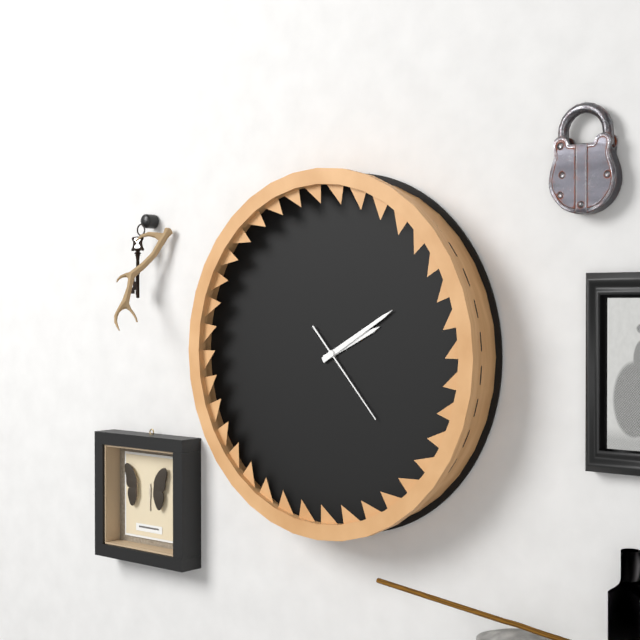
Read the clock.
2:10:23
